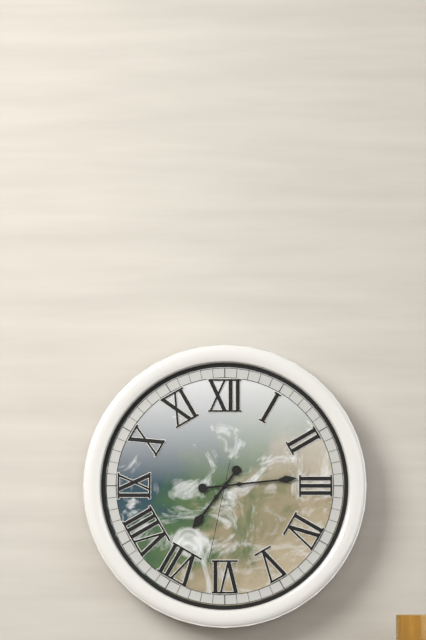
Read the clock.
7:14:32
